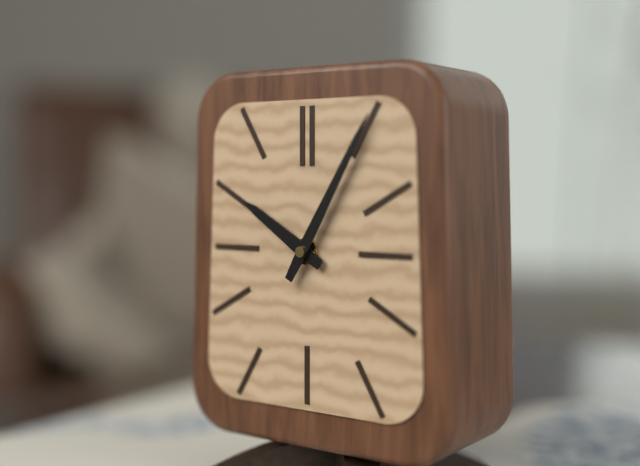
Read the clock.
10:05
